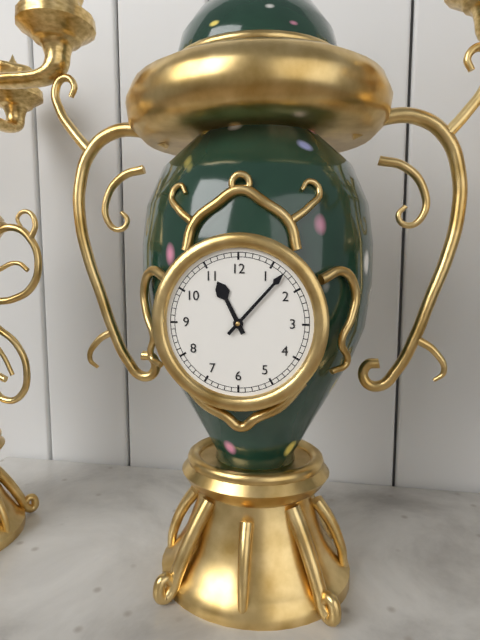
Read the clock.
11:07
